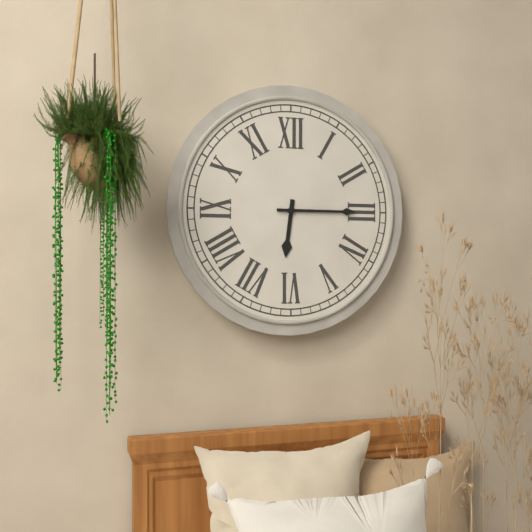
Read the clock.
6:15
